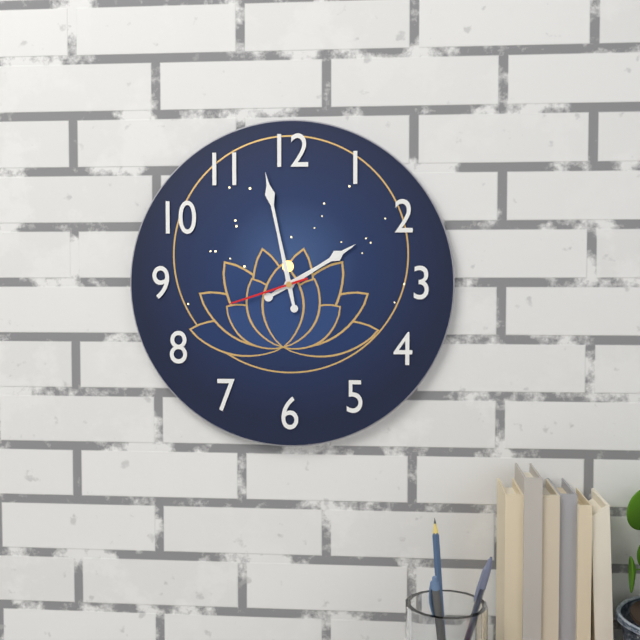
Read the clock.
1:58:42
